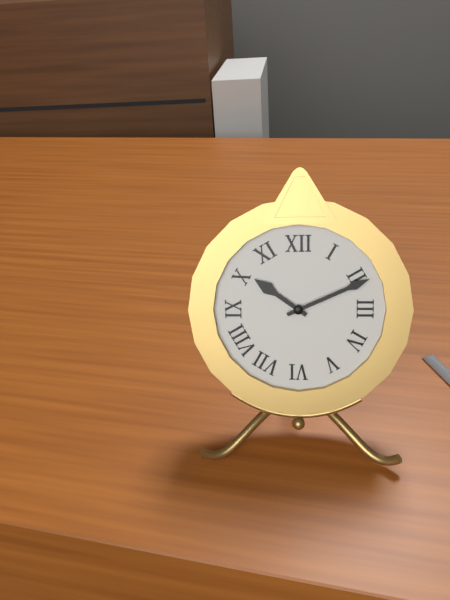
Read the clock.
10:11
